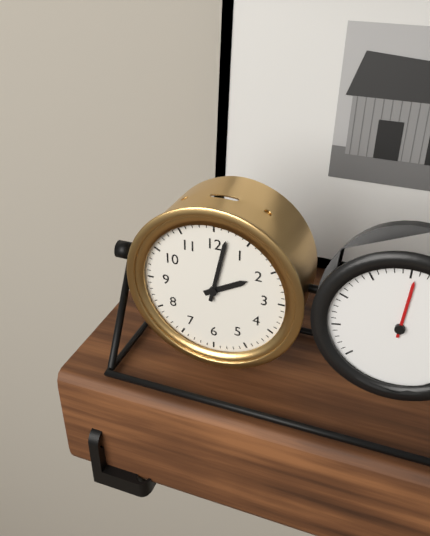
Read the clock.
2:02
